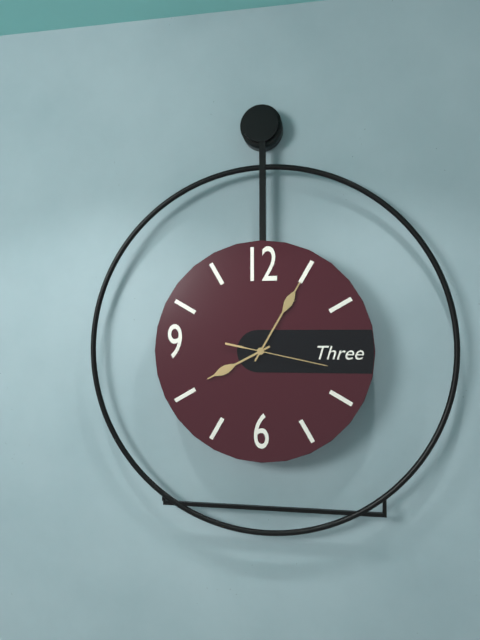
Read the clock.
8:05:17
